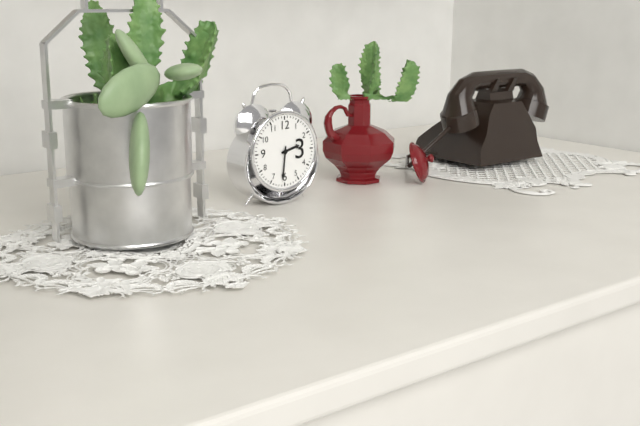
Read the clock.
2:31
